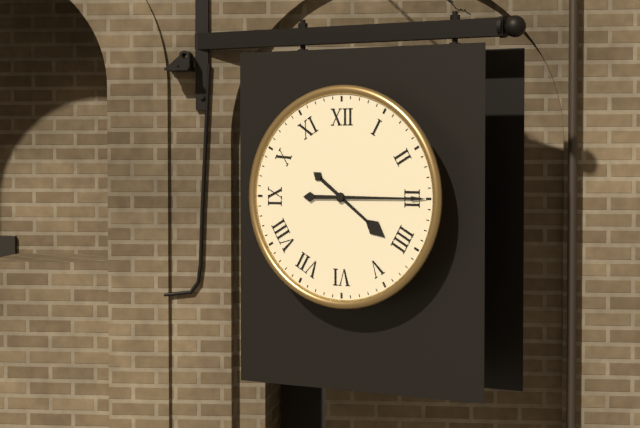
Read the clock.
4:15
